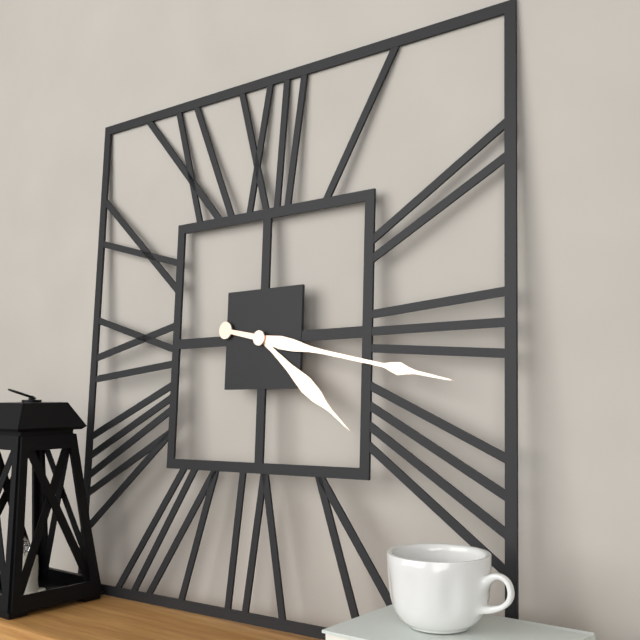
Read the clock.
4:17
